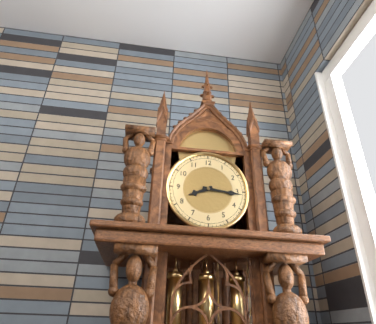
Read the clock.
8:16
